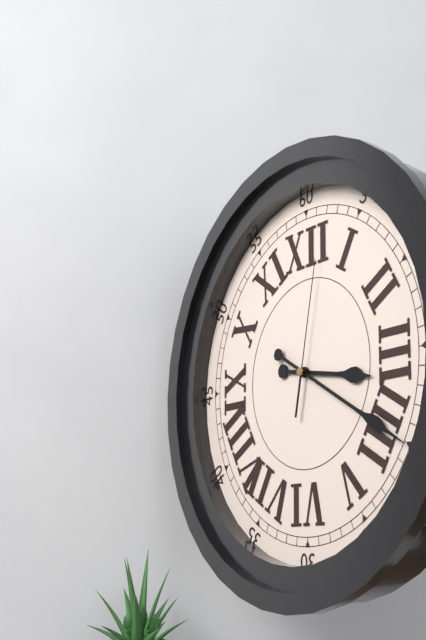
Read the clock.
3:20:02
